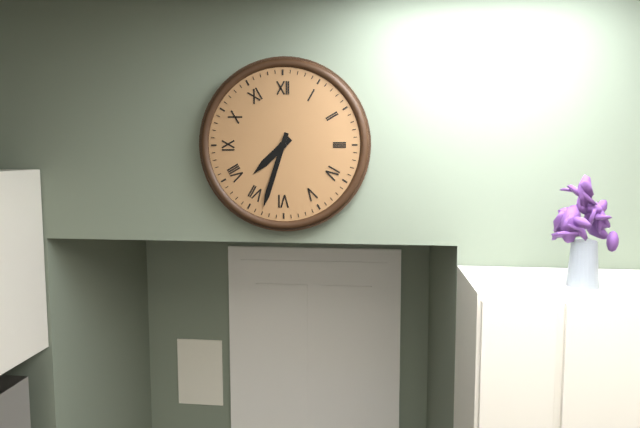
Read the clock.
7:33
